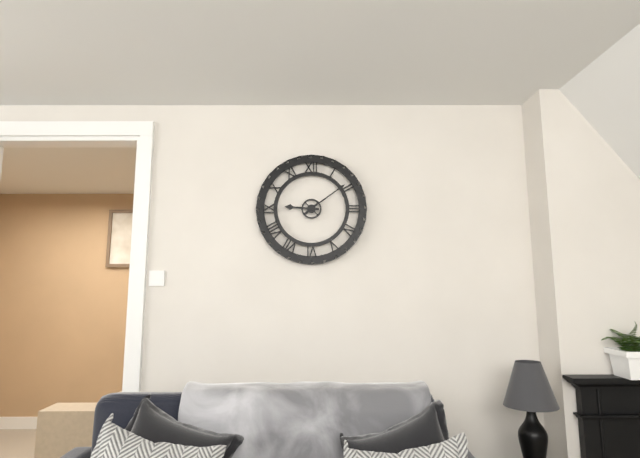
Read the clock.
9:09
